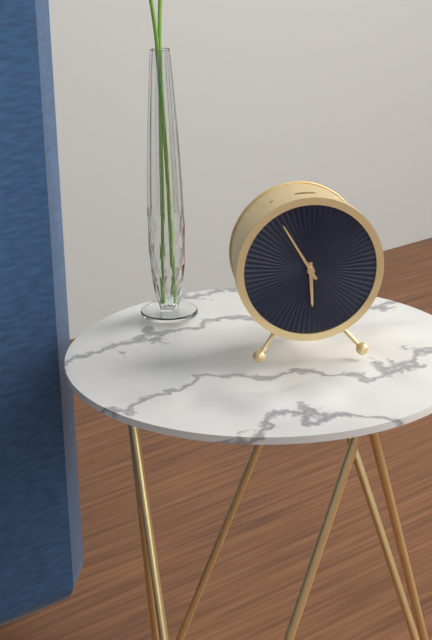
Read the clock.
5:55
